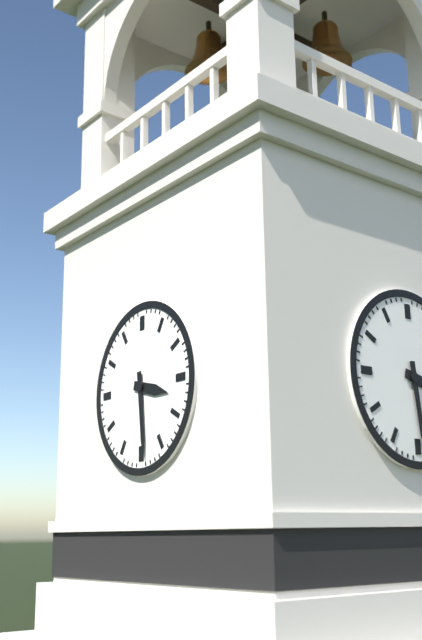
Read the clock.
3:29
